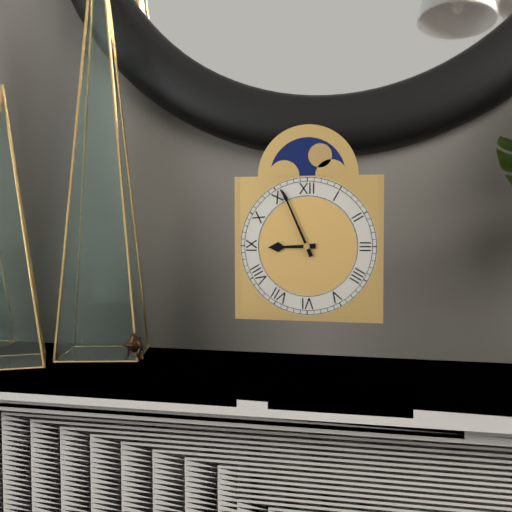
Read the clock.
8:56
